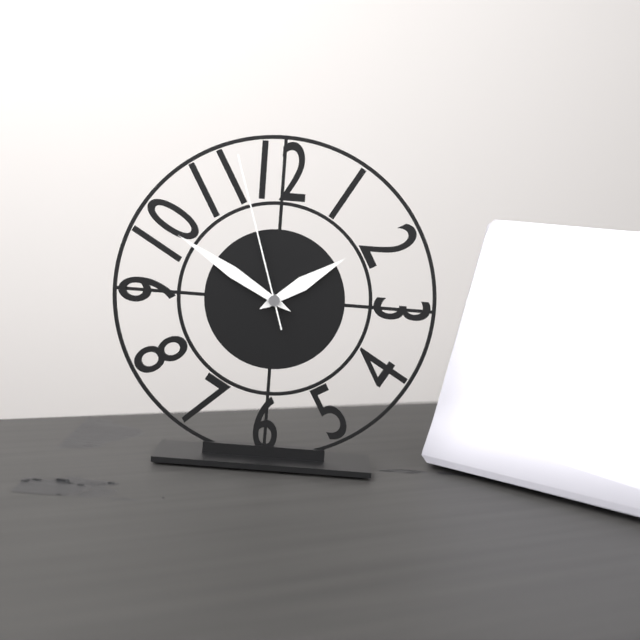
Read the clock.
1:50:57
